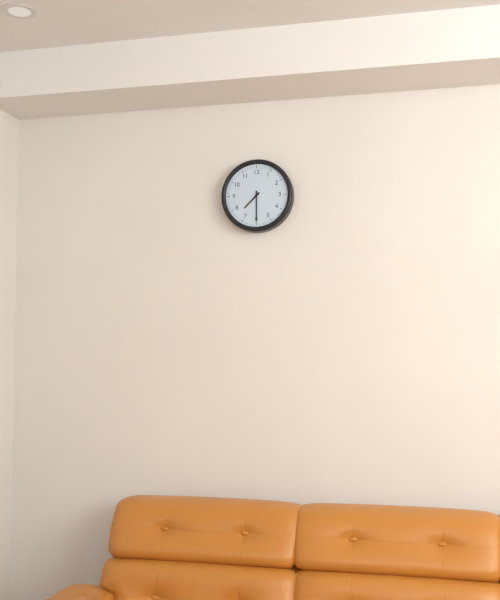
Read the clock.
7:30
